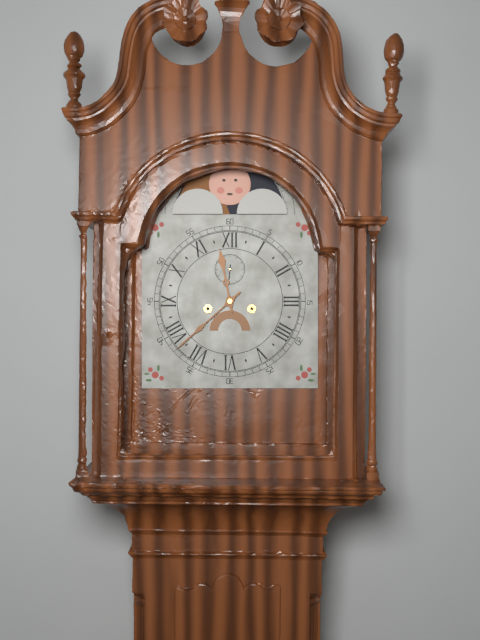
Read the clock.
11:38
